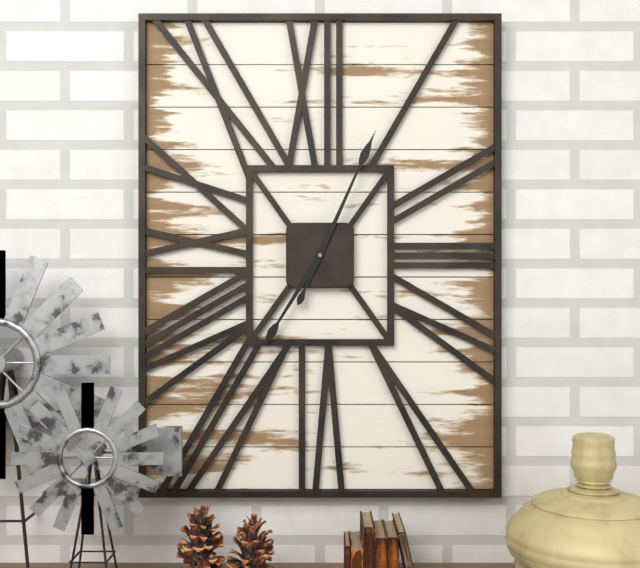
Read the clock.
7:04
